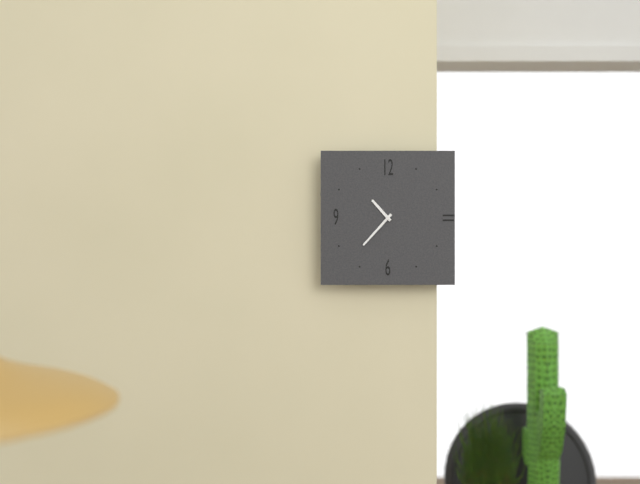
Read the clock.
10:37
